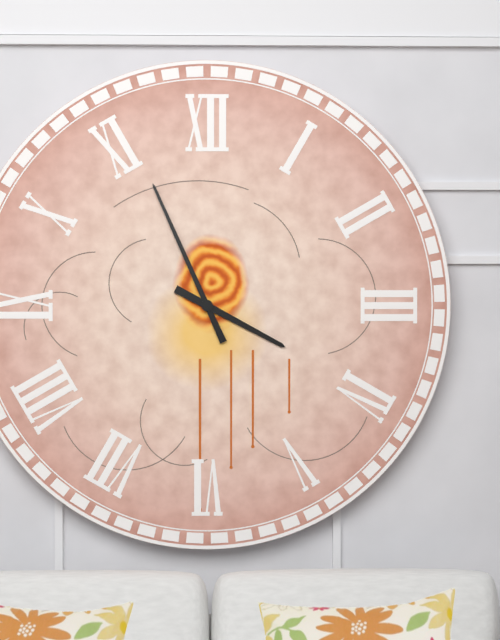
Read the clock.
3:56
